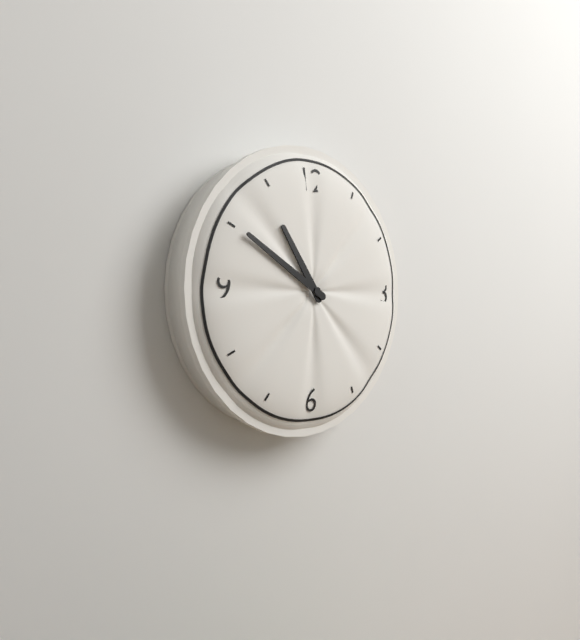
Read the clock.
10:50
